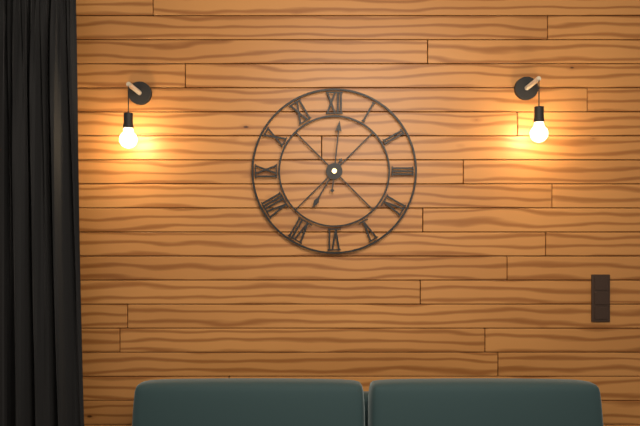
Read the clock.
7:01
